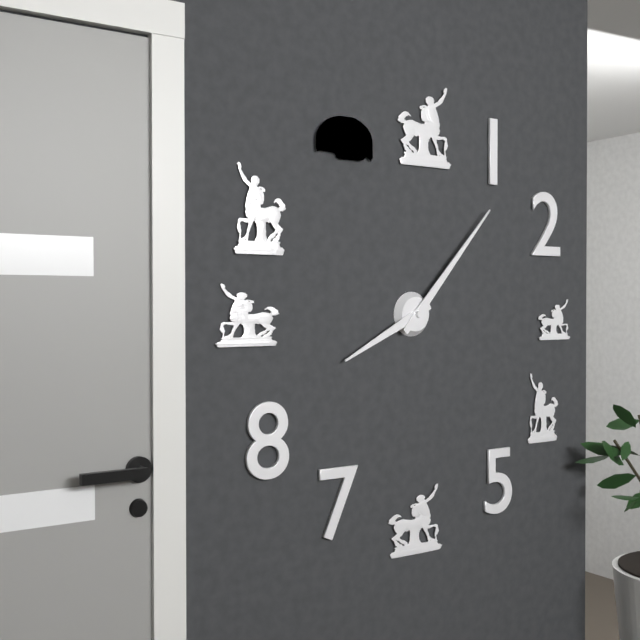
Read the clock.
8:07
